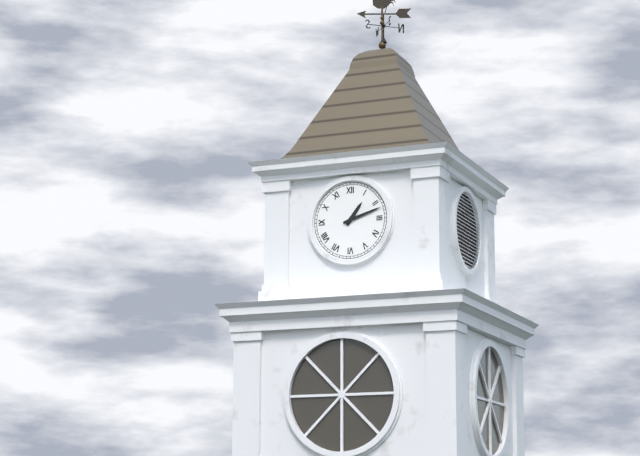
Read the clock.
1:12
